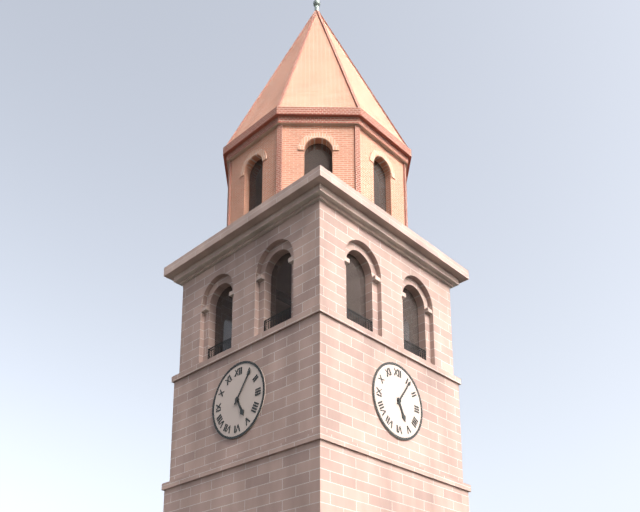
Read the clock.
5:06
